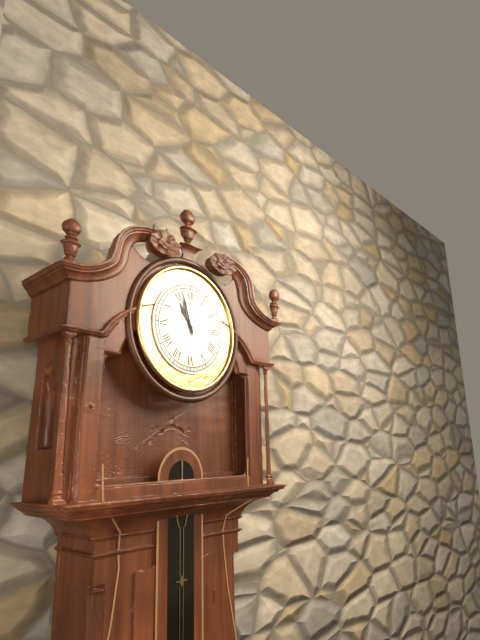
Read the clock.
10:57
